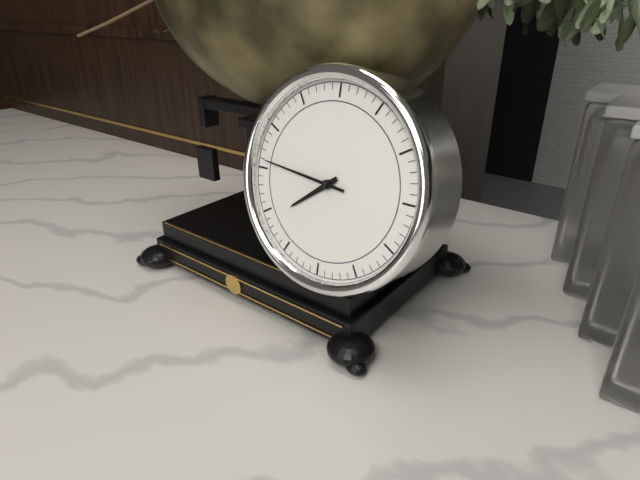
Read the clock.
7:46
